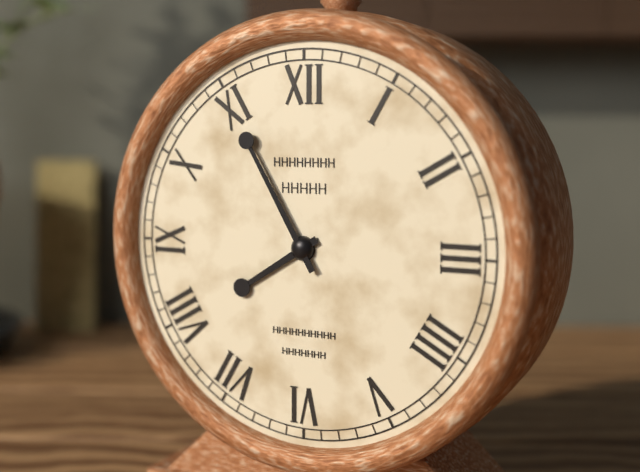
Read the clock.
7:55
